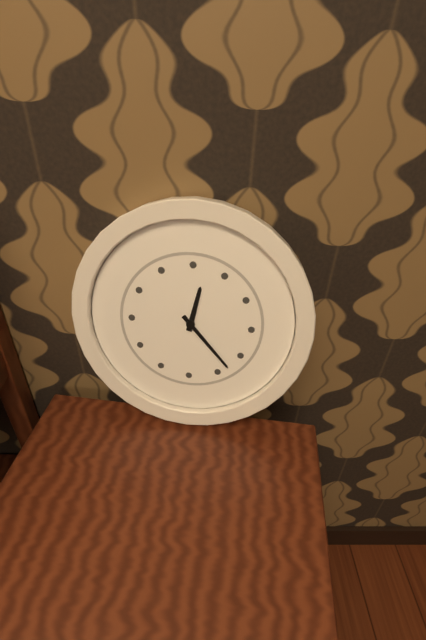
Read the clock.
12:23
